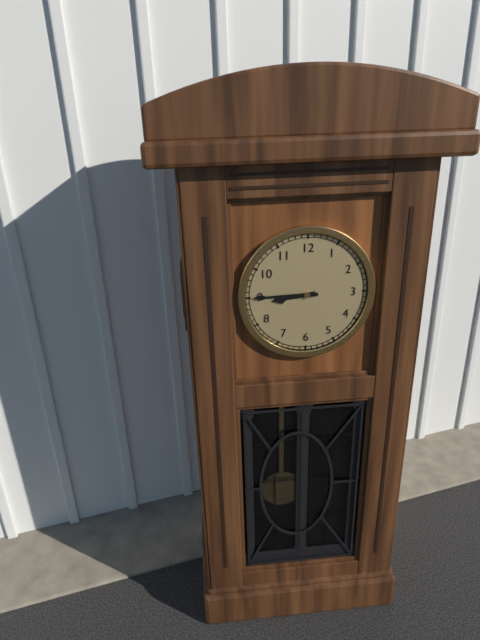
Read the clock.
8:45
